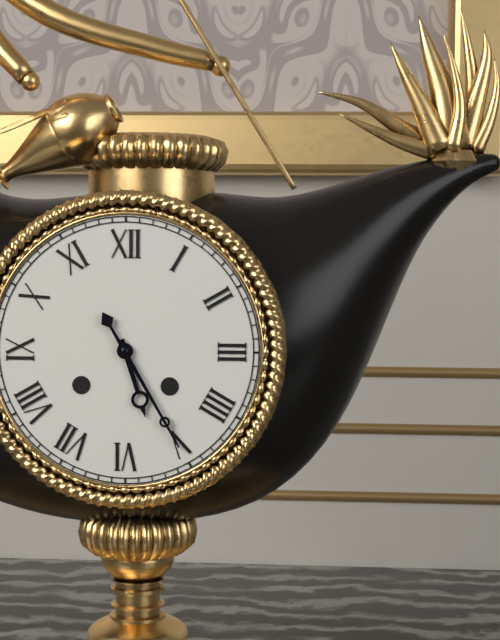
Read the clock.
5:25
